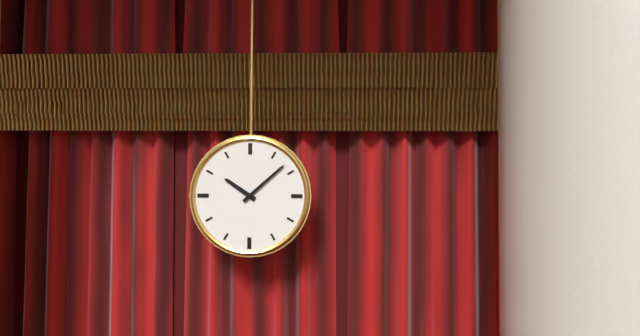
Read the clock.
10:08
